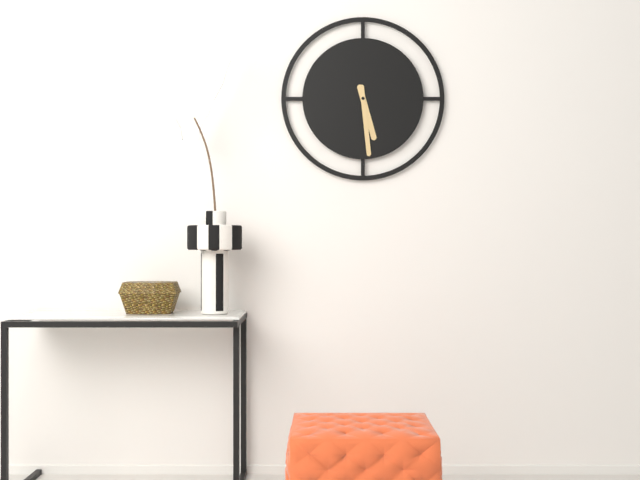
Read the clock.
5:29
